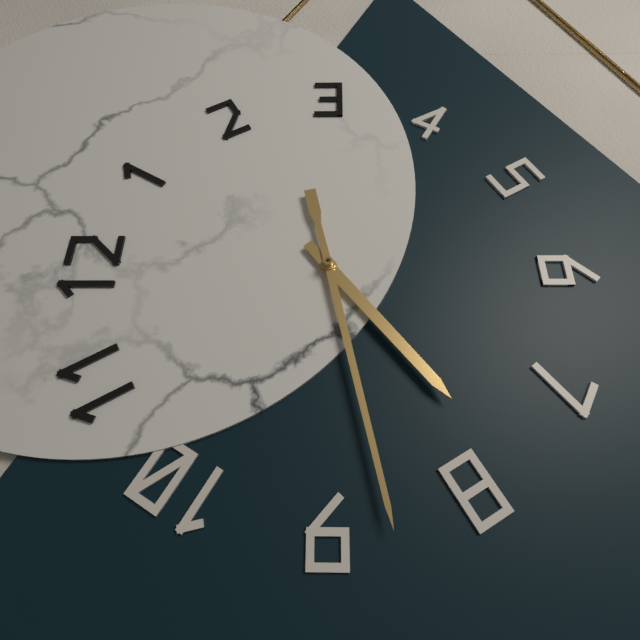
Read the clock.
7:43
